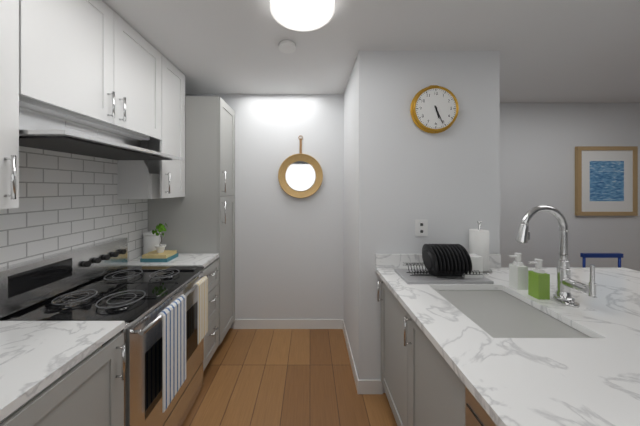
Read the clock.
5:26
